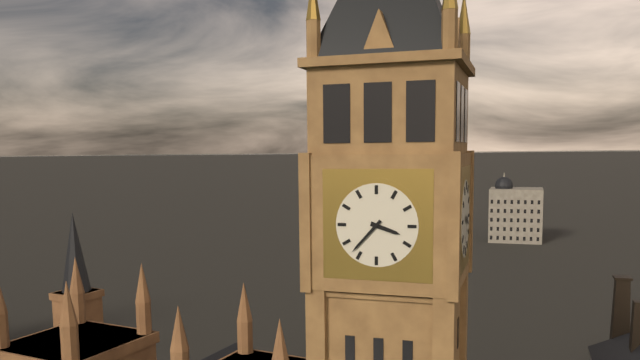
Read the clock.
3:37
